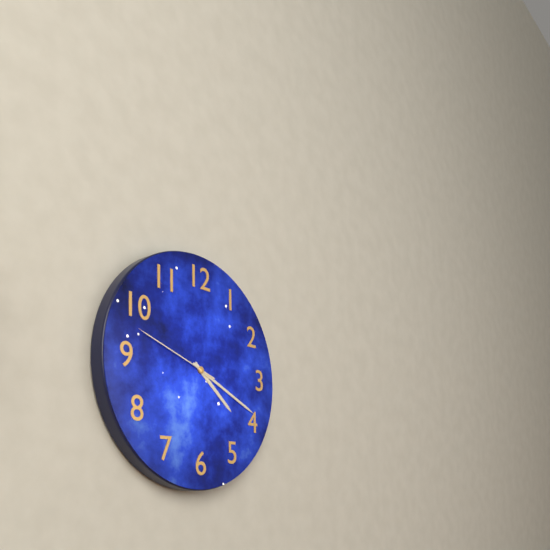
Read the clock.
4:19:48
